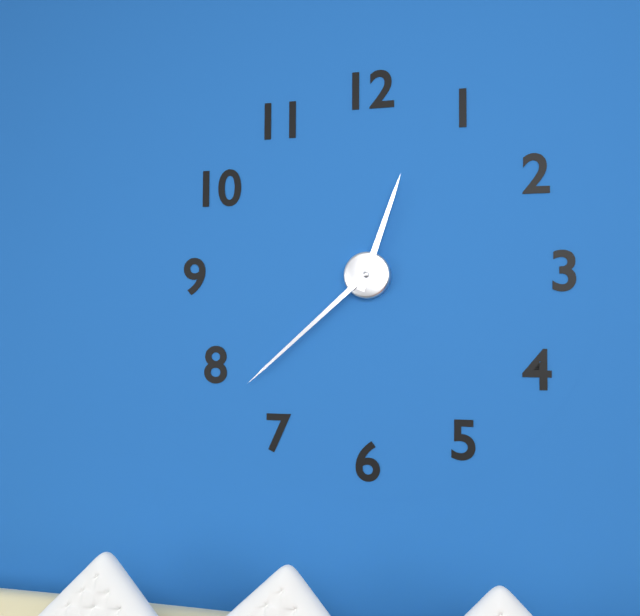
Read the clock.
12:38
